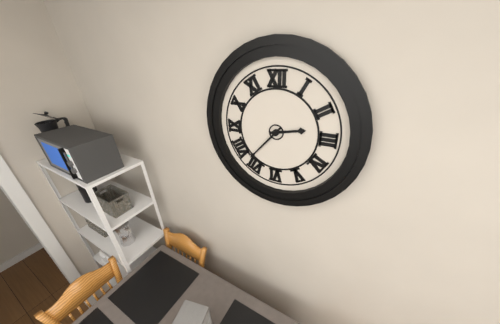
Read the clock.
2:37
